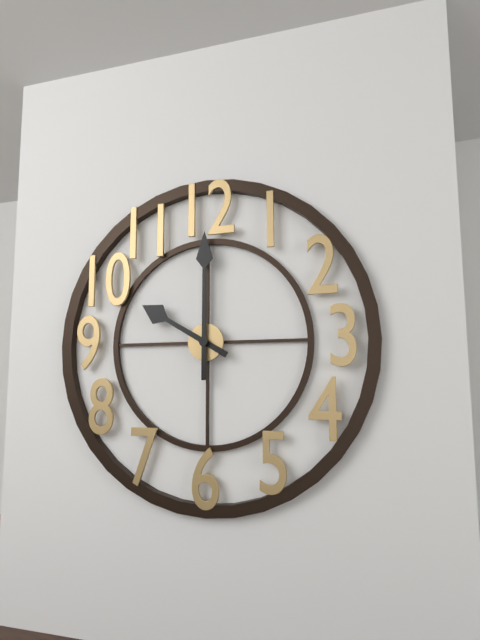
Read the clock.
10:00
